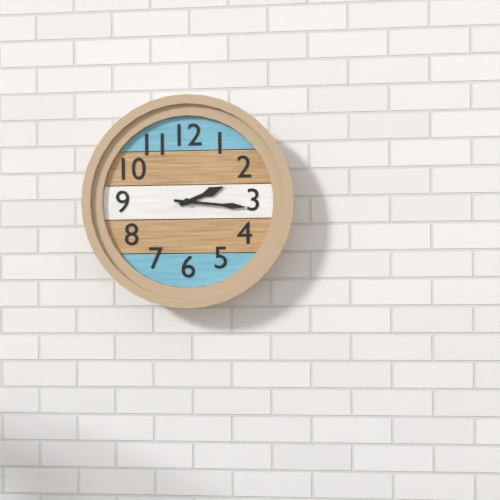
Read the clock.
2:16
